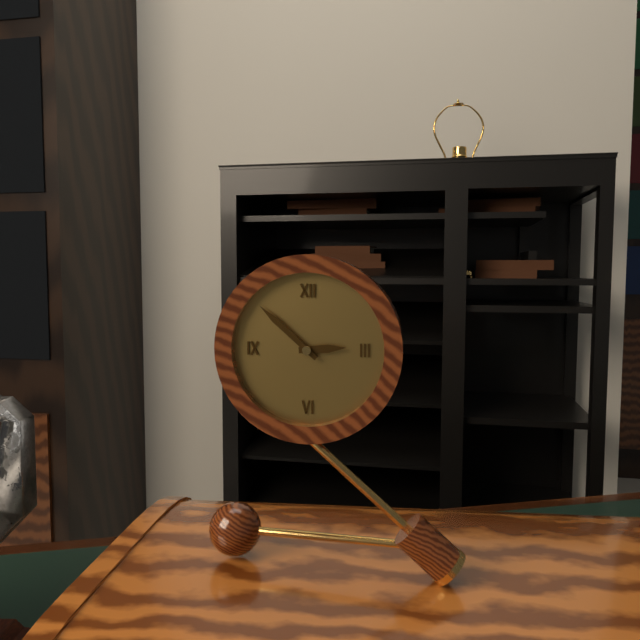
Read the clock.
2:52
